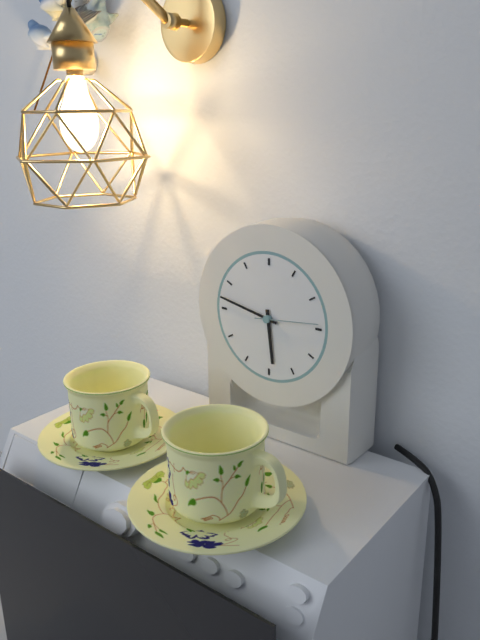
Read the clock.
5:47:14
